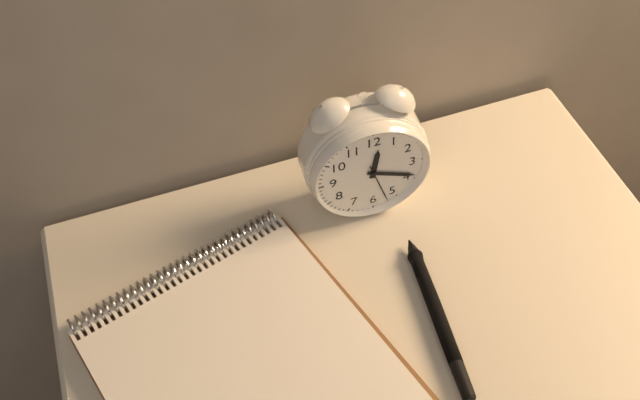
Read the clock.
12:19
